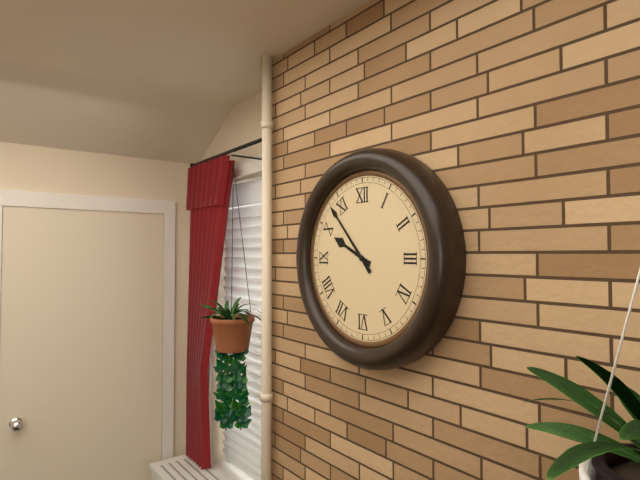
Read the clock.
9:53
